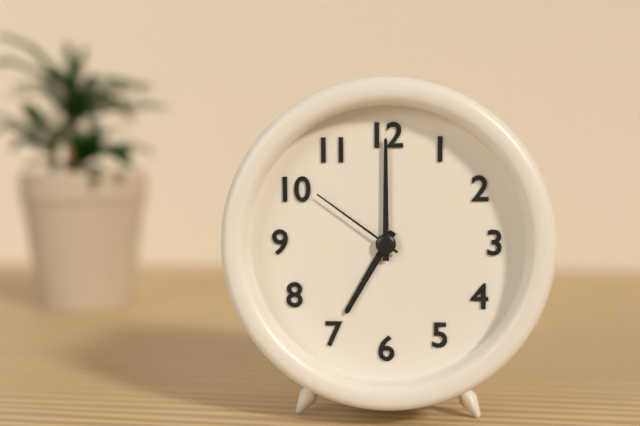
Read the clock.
7:00:51
